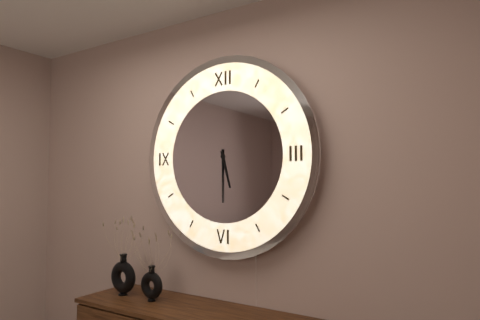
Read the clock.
5:30
